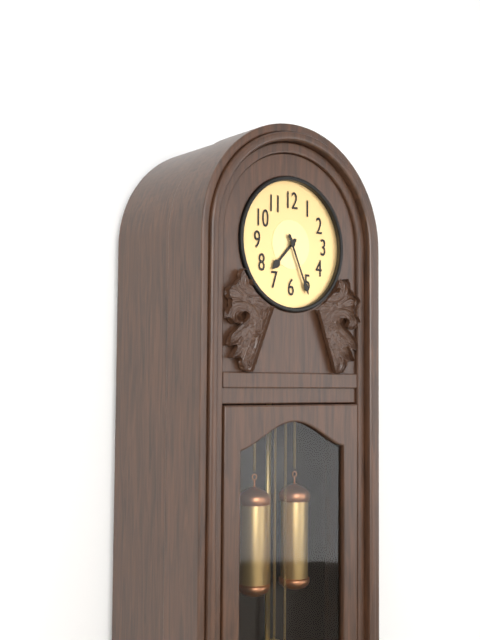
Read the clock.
7:26
